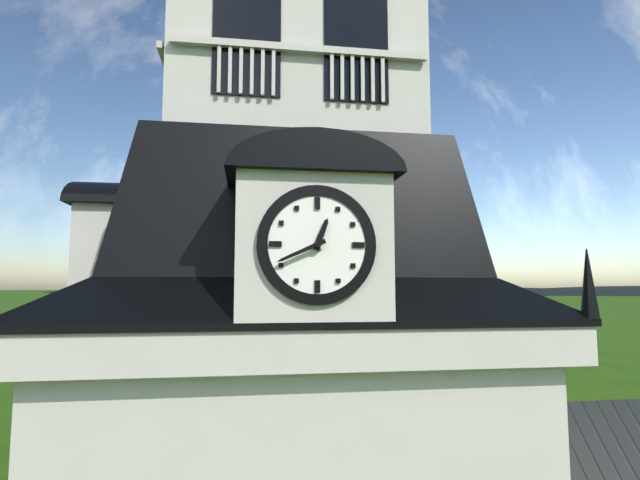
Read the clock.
12:41
